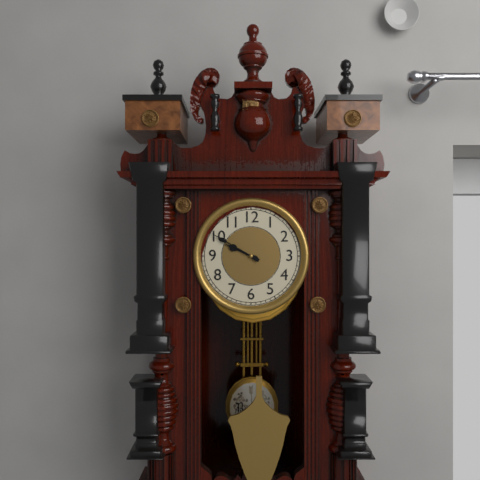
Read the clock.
9:50
